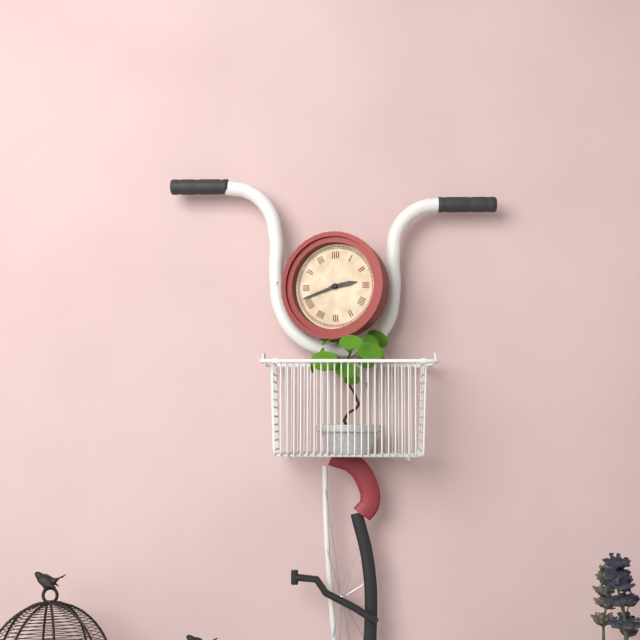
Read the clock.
2:42
